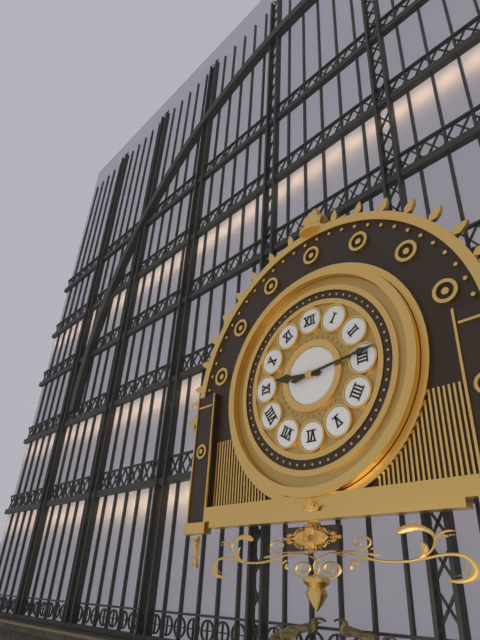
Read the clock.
9:14
